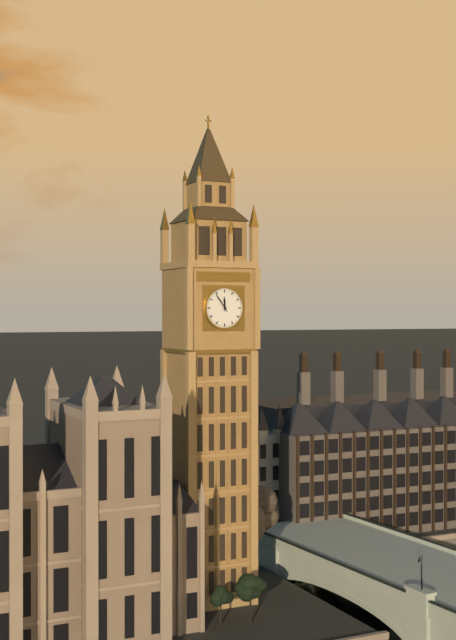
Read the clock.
11:54
